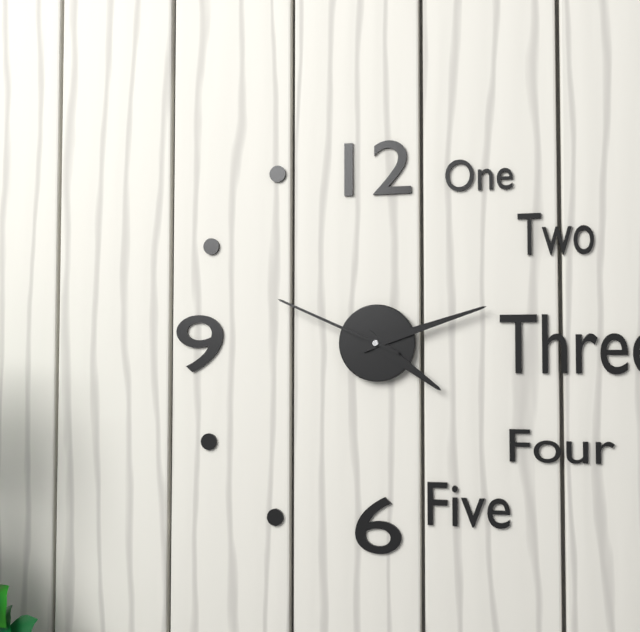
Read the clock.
4:12:49
